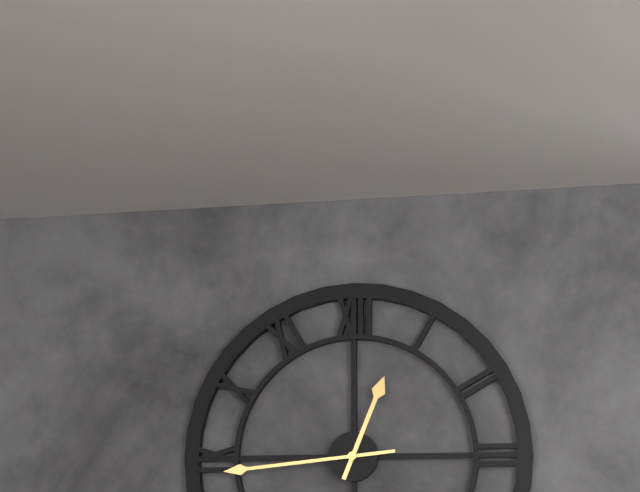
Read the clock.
12:44
